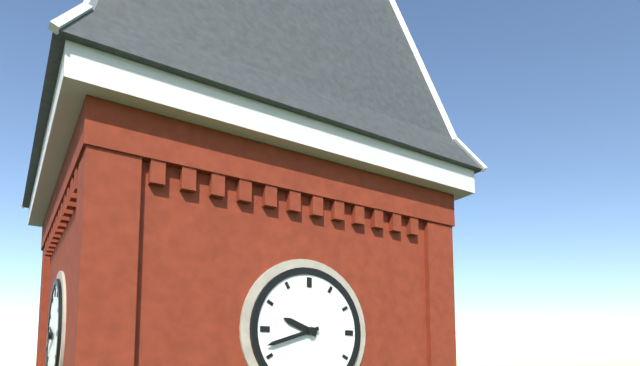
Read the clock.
9:42
